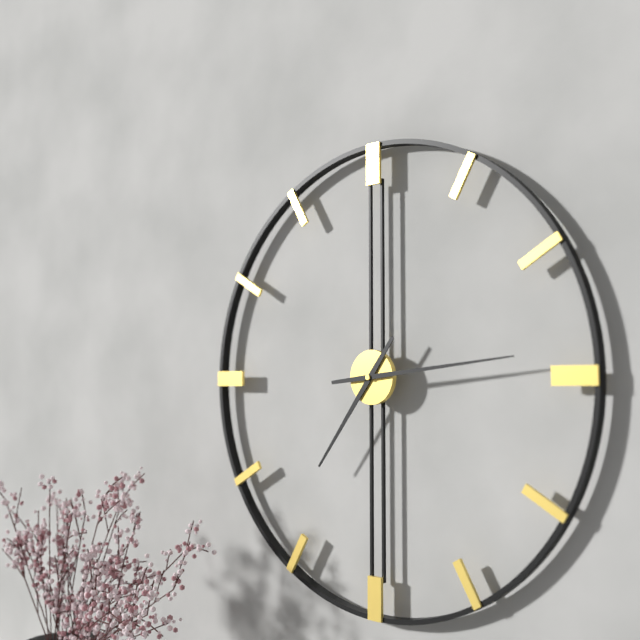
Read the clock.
7:14
